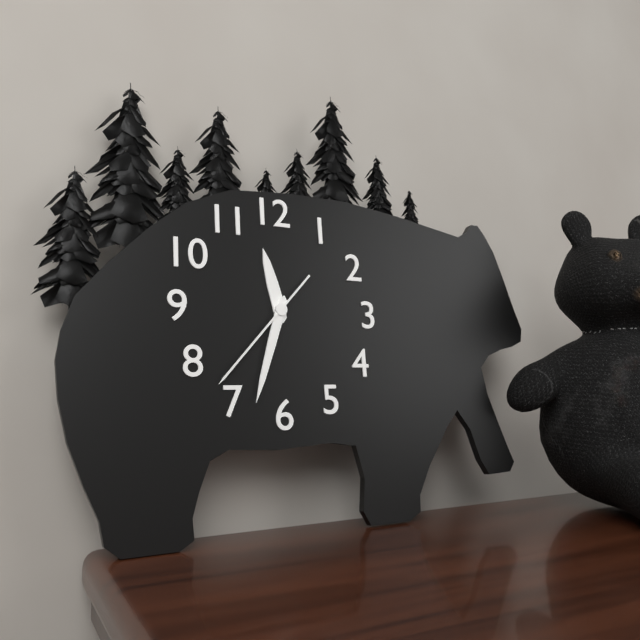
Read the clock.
11:33:37
